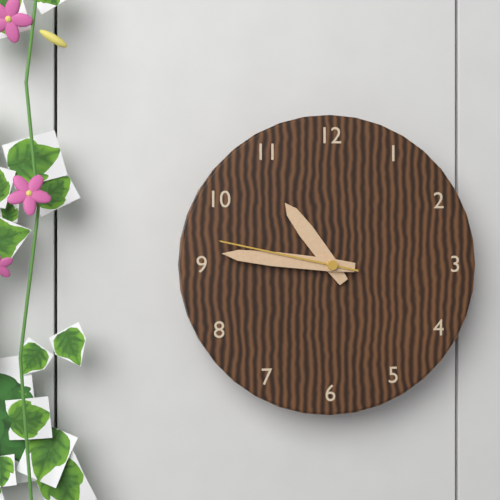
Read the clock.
10:46:47
